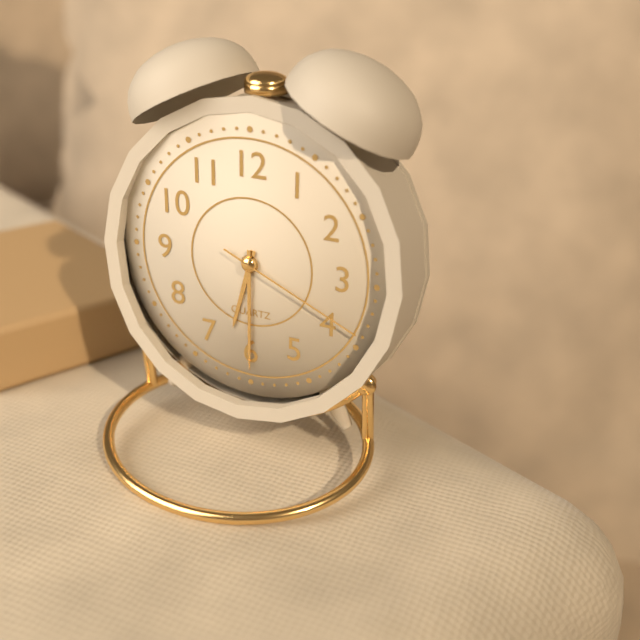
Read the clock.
6:30:19
